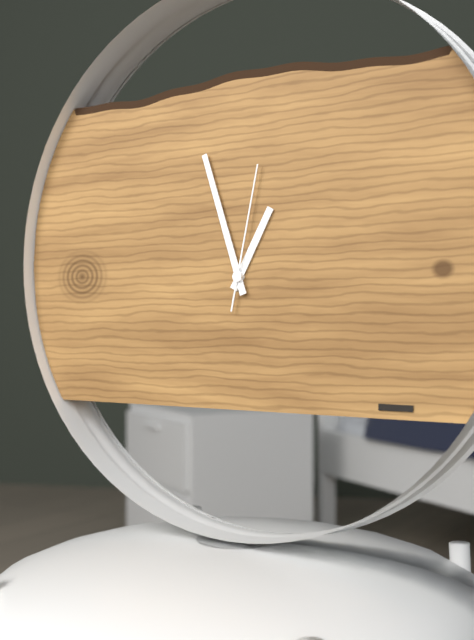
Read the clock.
12:57:02
